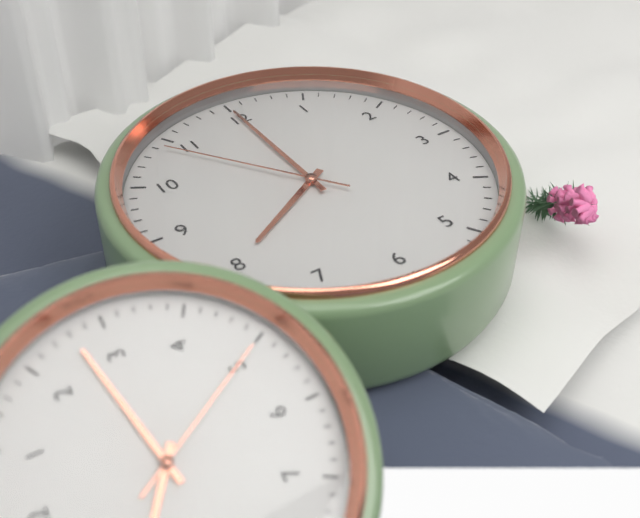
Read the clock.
8:00:54
